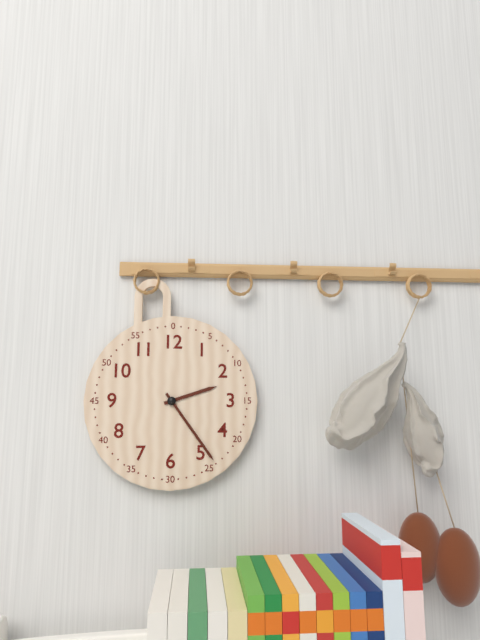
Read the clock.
2:24
